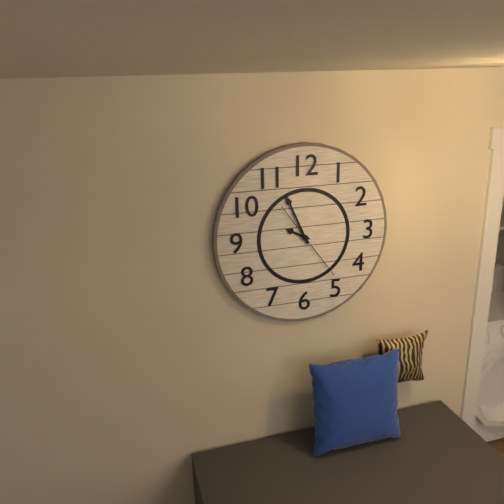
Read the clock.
9:56:24
